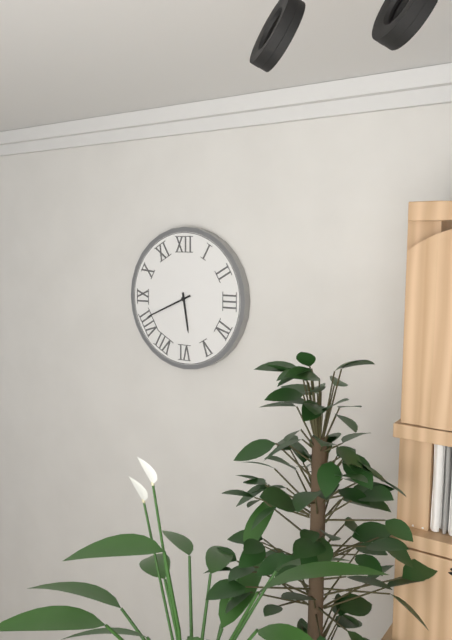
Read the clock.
5:41
